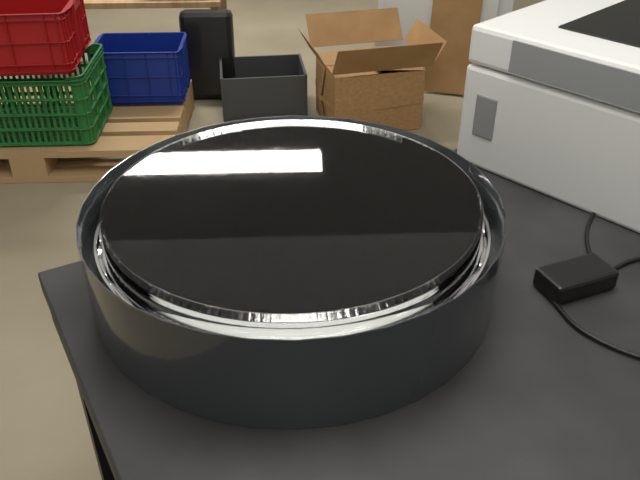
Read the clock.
4:43
